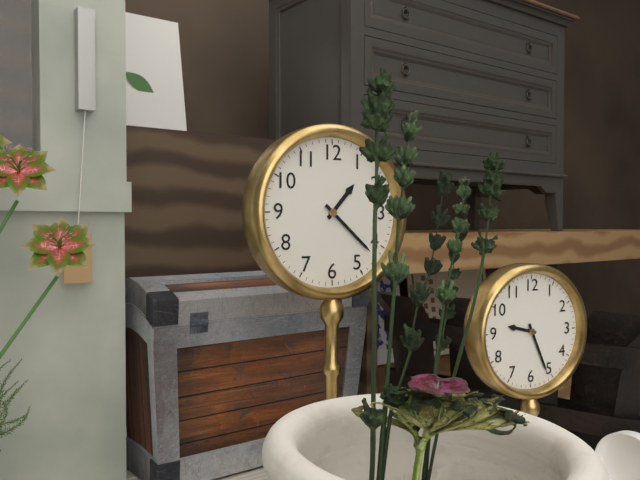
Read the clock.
1:22
